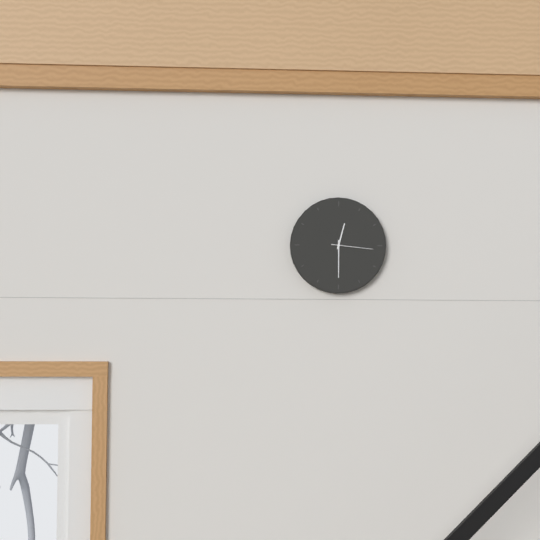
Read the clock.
12:30
